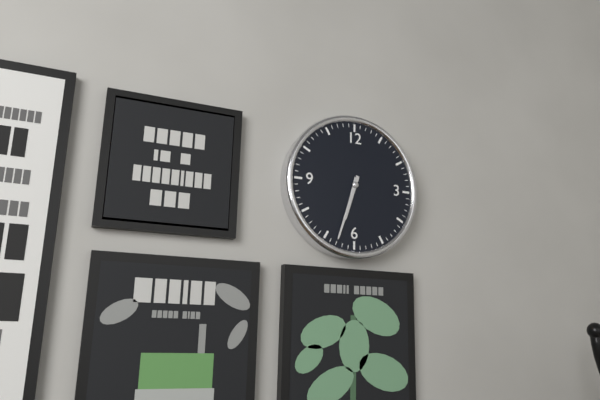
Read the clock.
6:33
